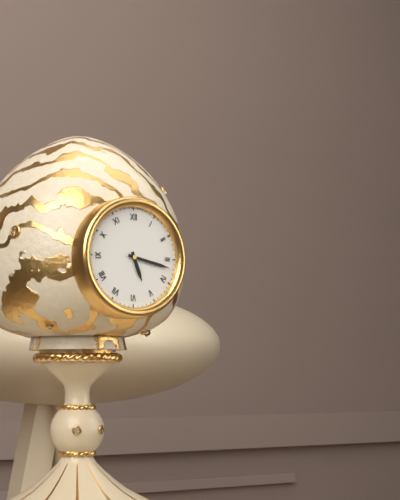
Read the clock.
5:17
